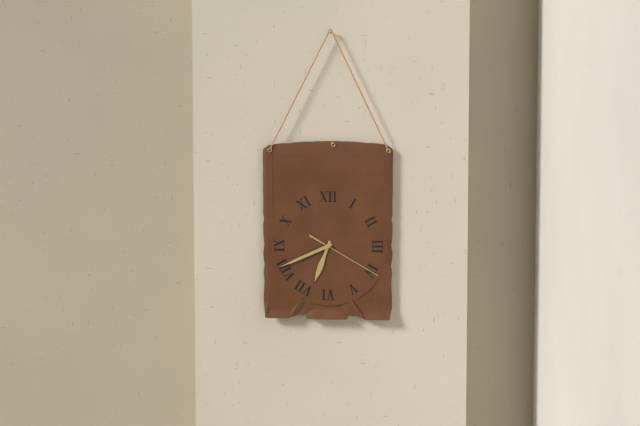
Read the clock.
6:41:20
